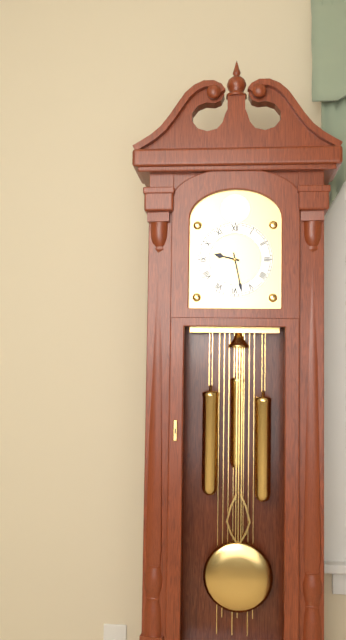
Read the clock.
9:28
